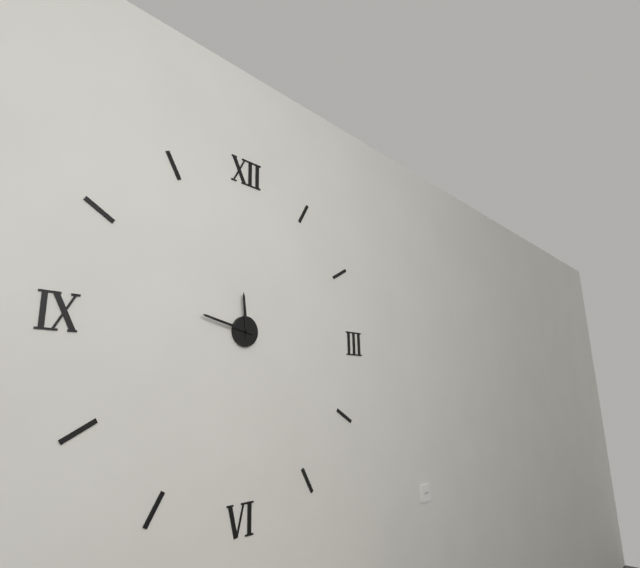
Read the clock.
11:47
